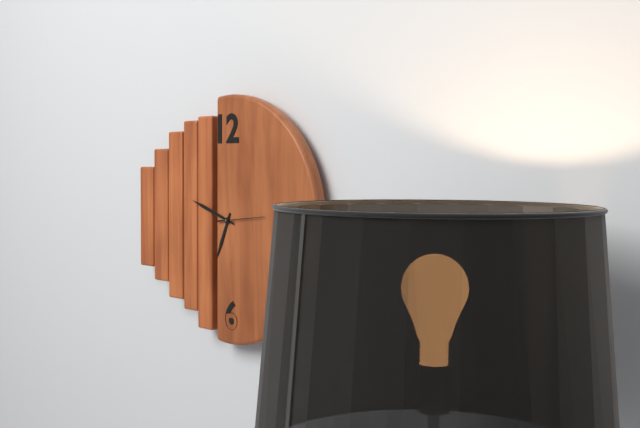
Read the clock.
6:48
